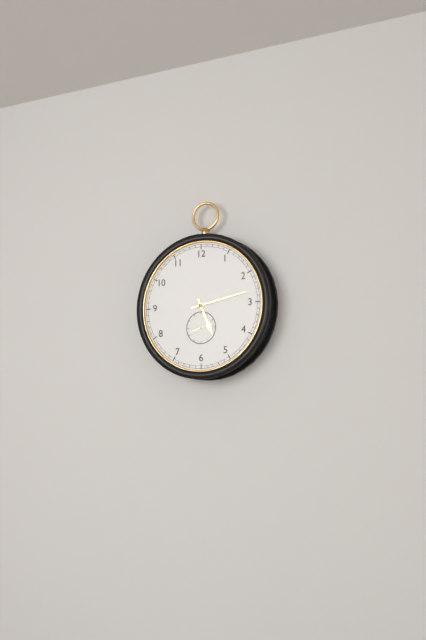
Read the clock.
5:13
